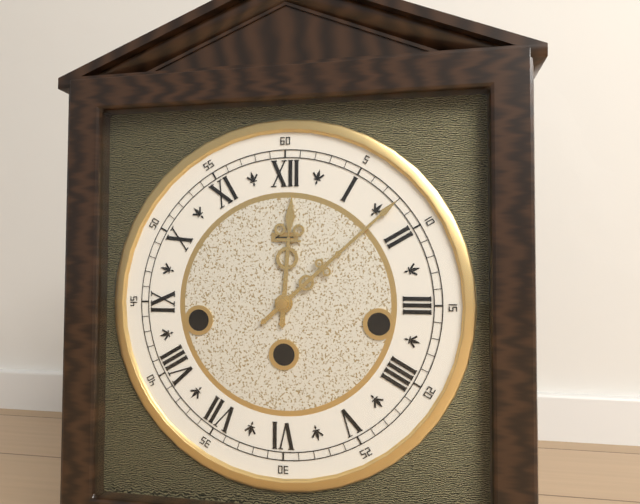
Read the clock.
12:08
